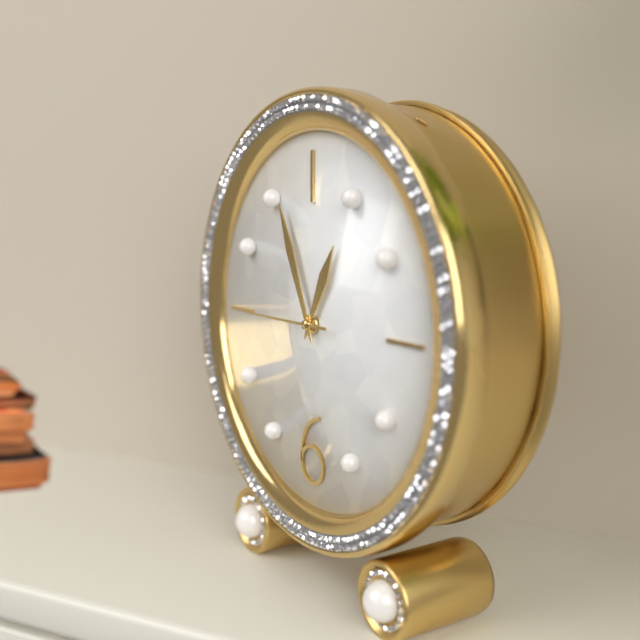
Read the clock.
12:56:45
